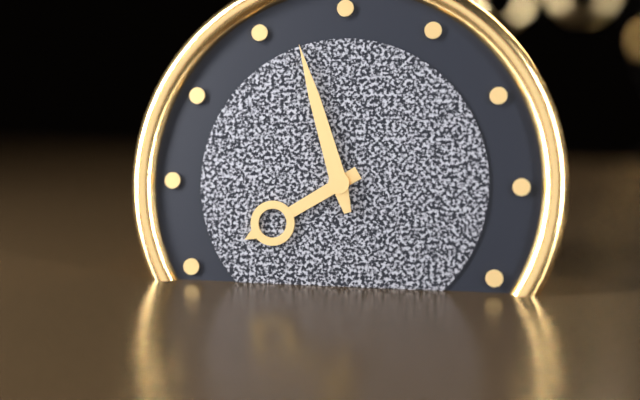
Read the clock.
7:57
